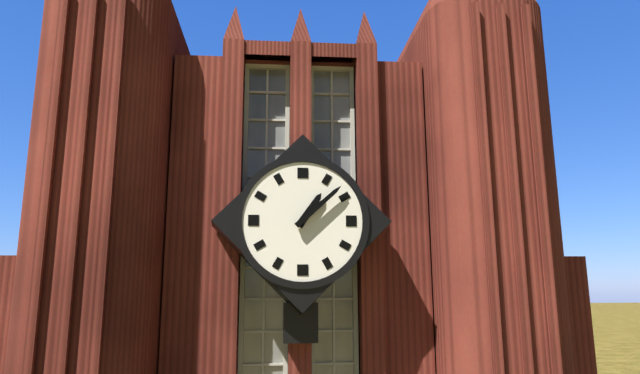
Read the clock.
1:08
